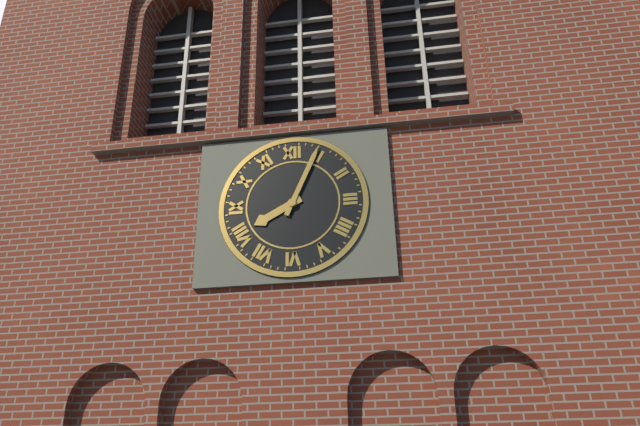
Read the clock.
8:04
